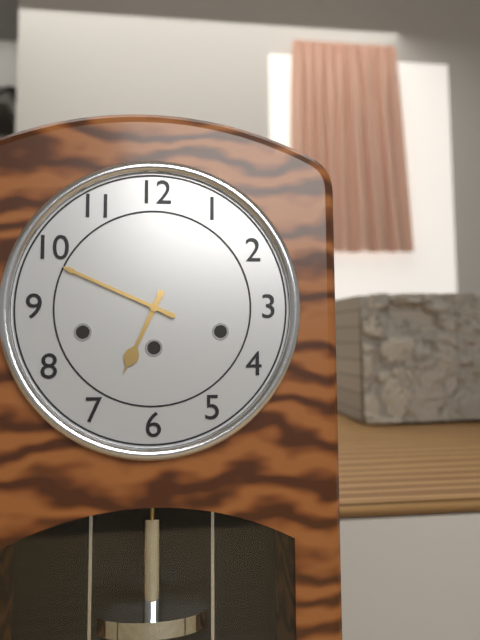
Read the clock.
6:49
